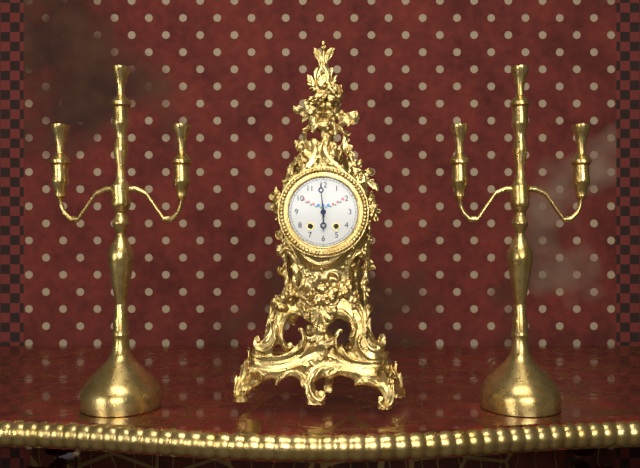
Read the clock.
5:59
